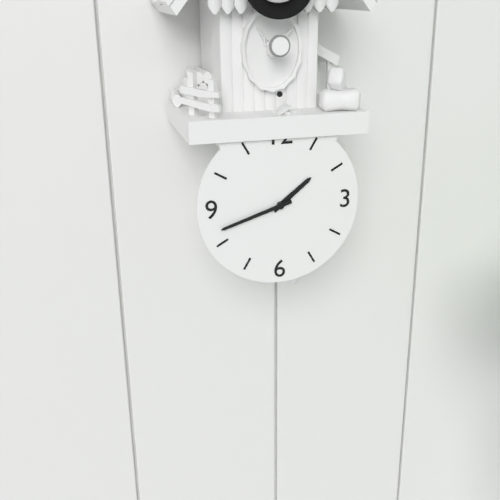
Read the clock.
1:42
